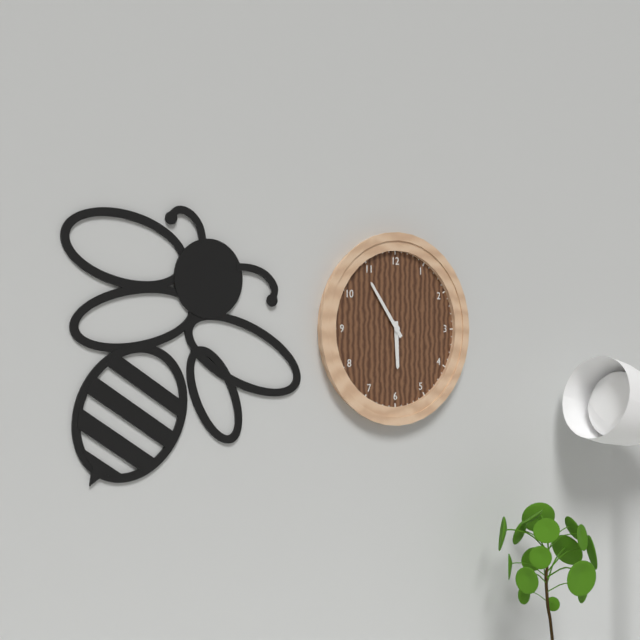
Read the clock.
5:54
